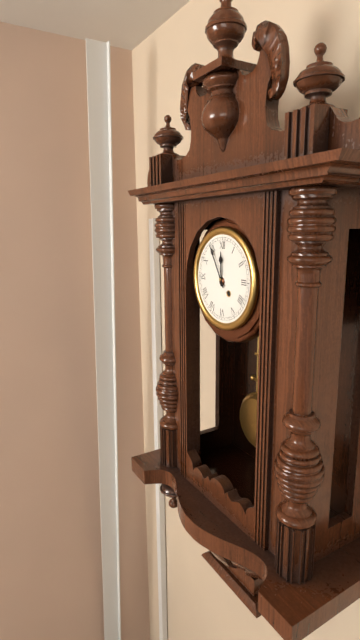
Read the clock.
11:55
